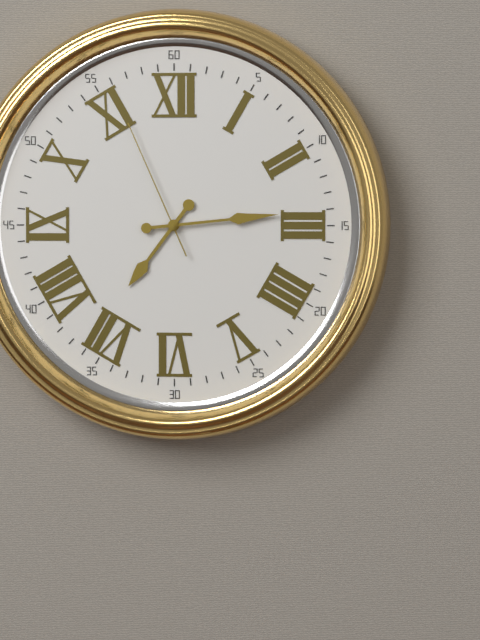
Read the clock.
7:14:56
